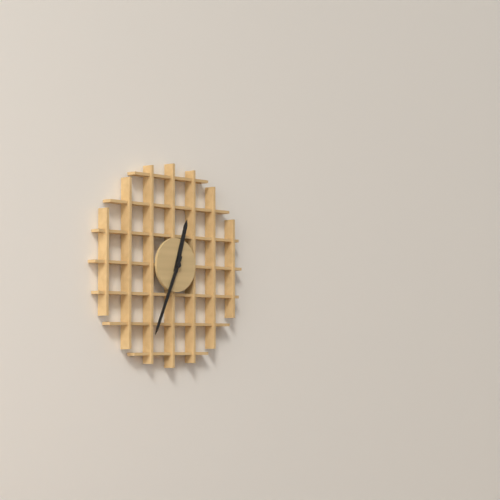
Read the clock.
12:34
